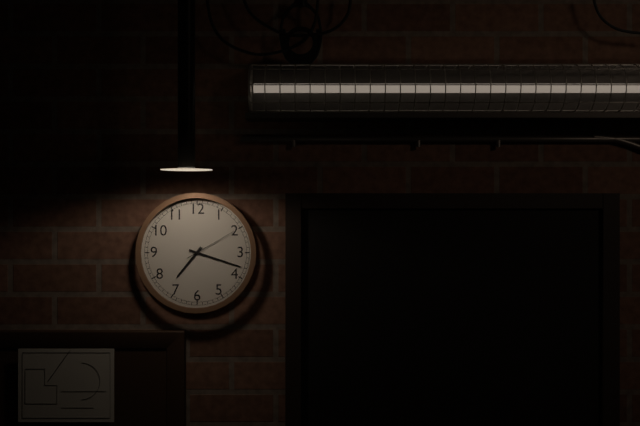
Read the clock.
7:18:10
